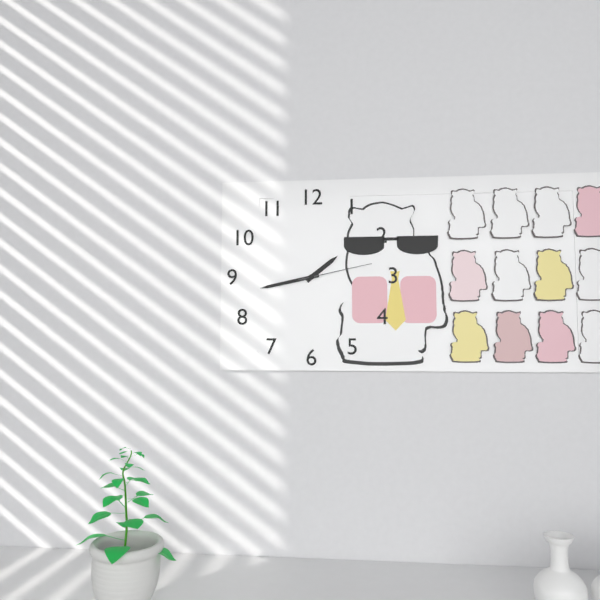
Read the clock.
1:43:13
